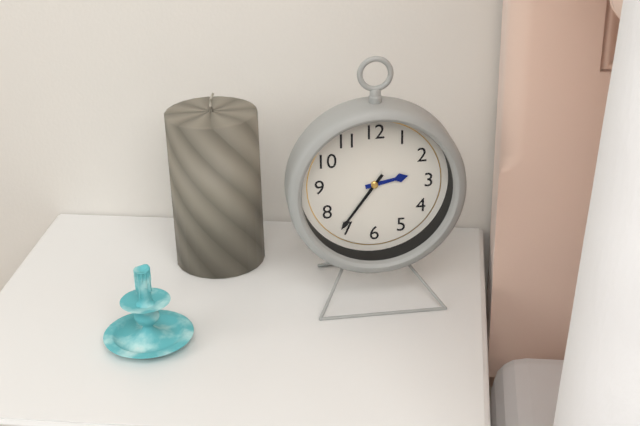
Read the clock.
2:36
